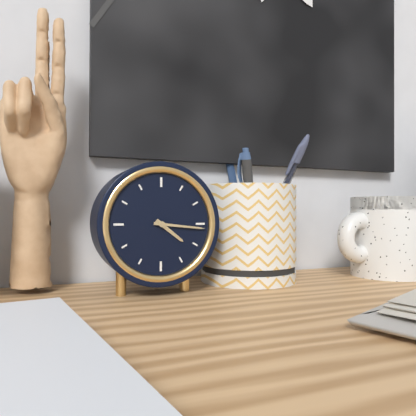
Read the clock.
4:16
